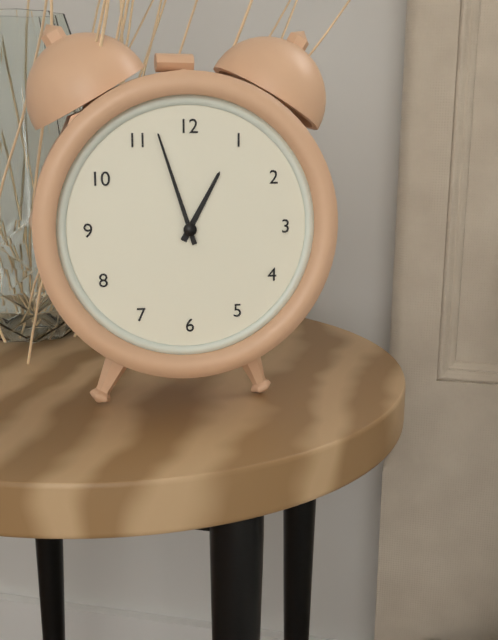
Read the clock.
12:57
